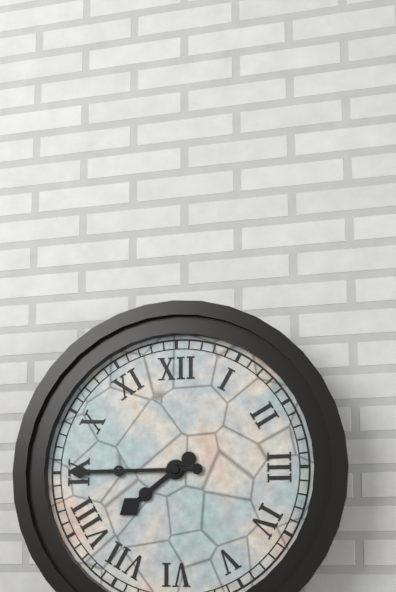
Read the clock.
7:45
